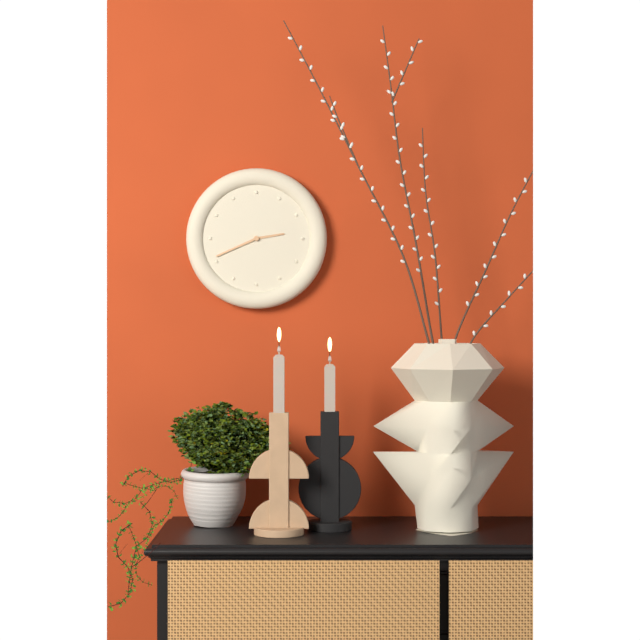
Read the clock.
2:41
